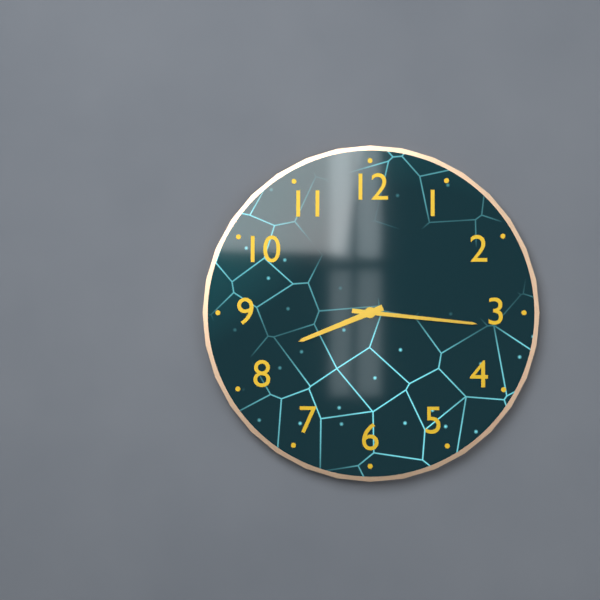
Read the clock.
8:16
